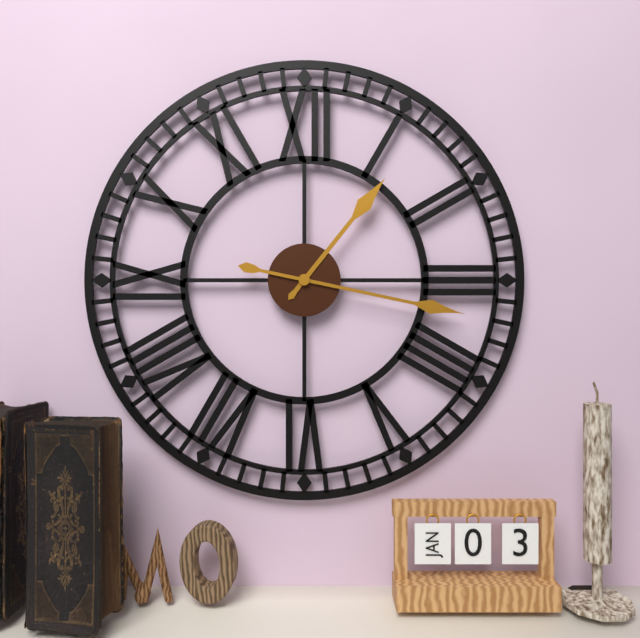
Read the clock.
1:17
